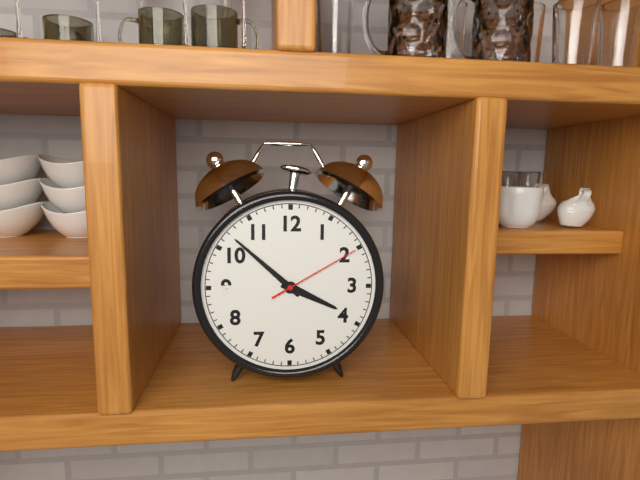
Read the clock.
3:52:10
